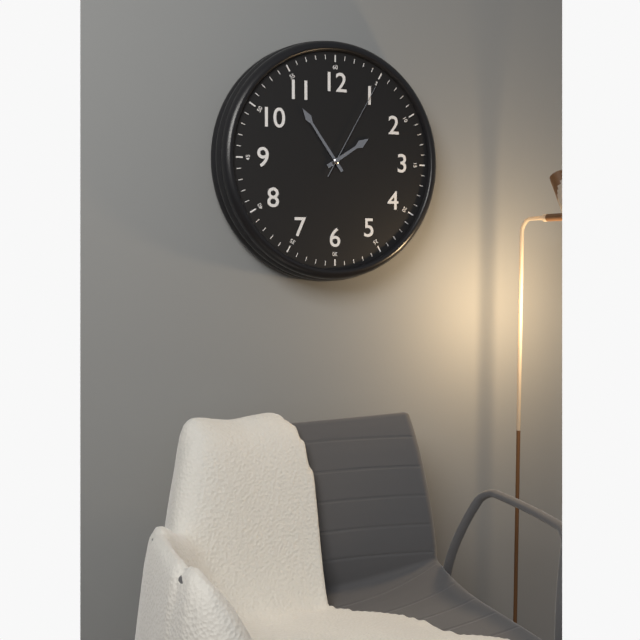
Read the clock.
1:54:05
